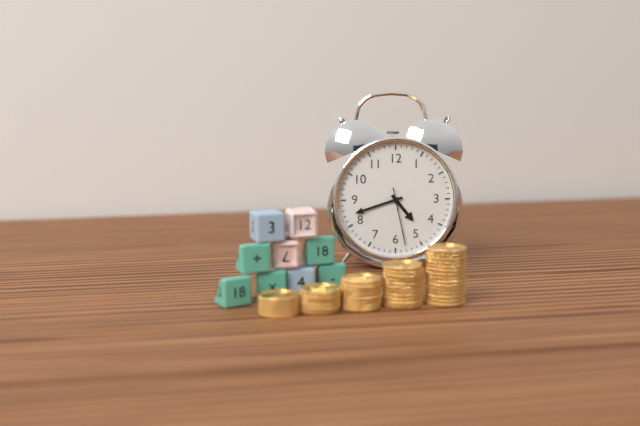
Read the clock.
4:42:28
